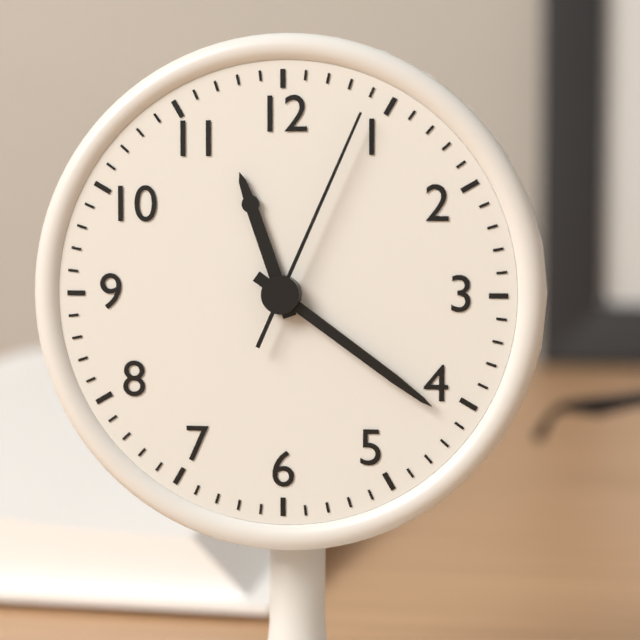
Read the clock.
11:21:04
